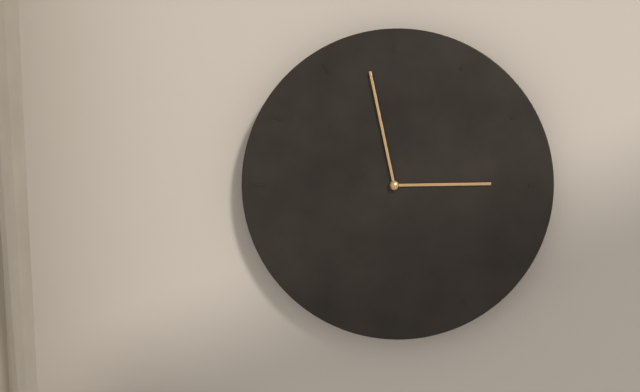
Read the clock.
2:58
